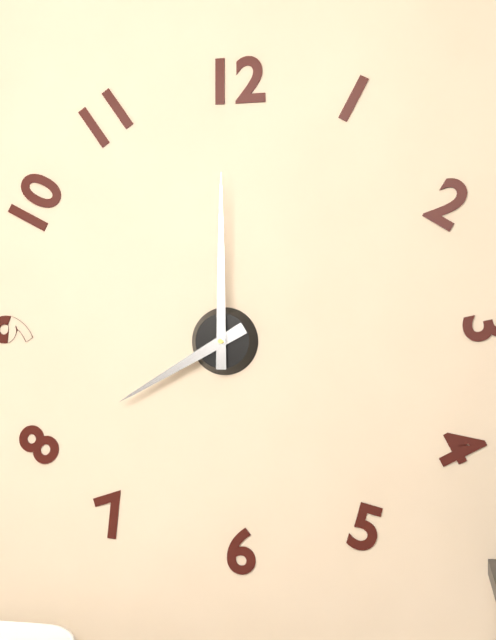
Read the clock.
8:00
